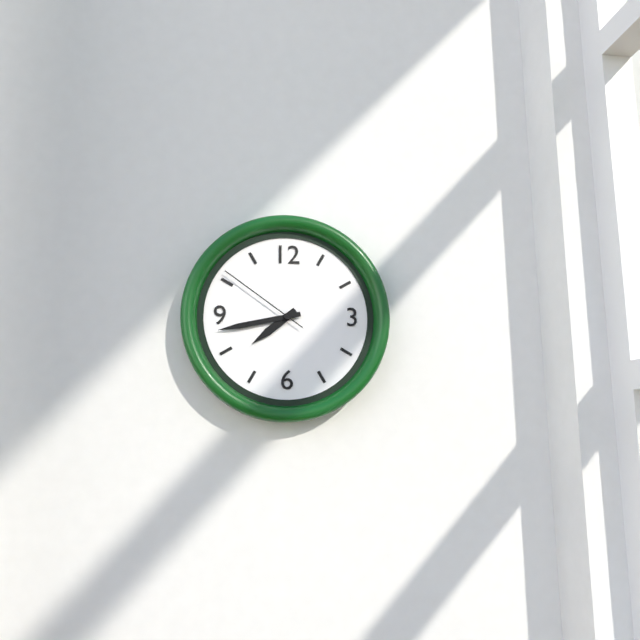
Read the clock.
7:43:51
